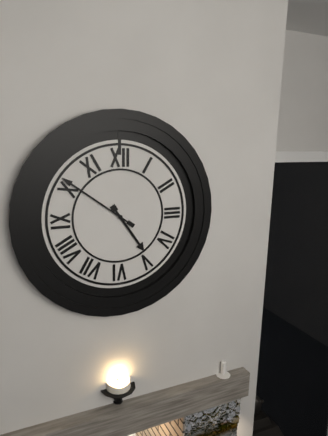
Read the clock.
4:51
